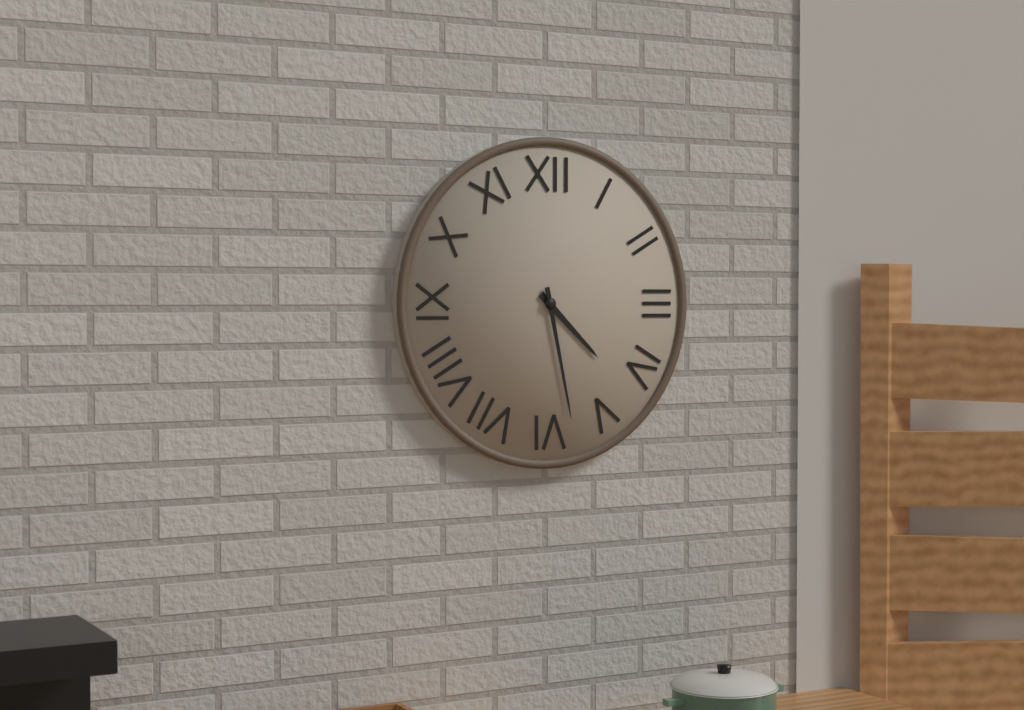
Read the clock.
4:28
